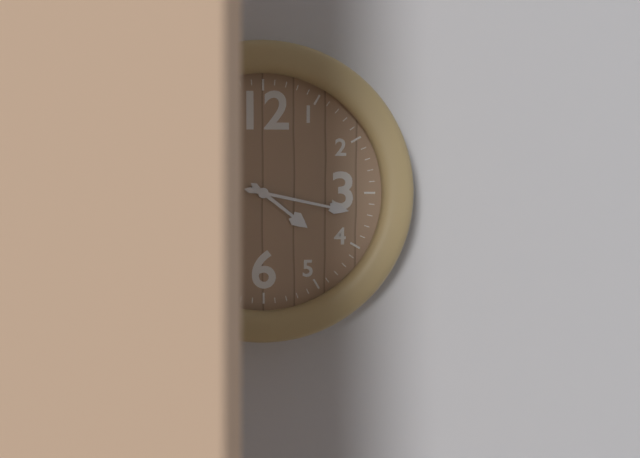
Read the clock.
4:17
